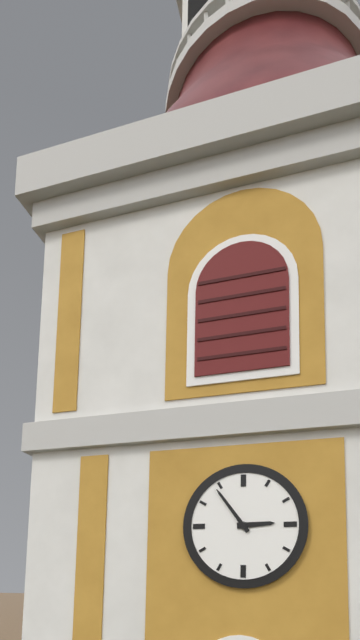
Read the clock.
2:54
